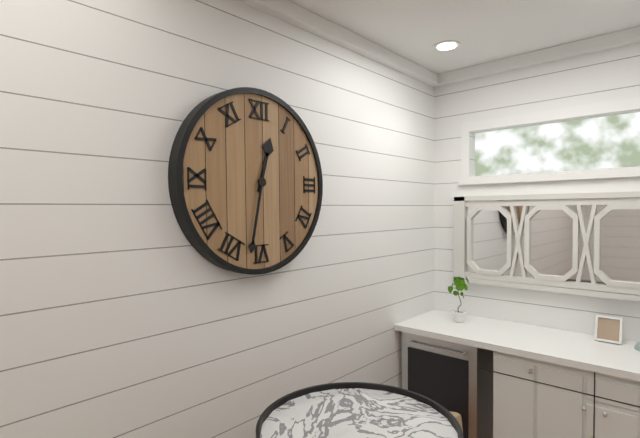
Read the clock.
12:32
